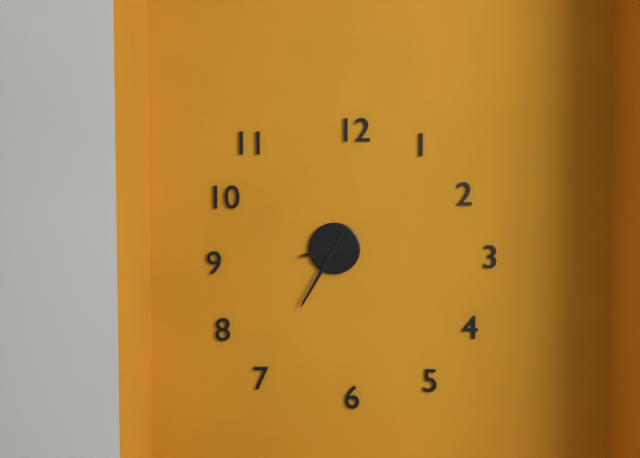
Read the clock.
8:35
